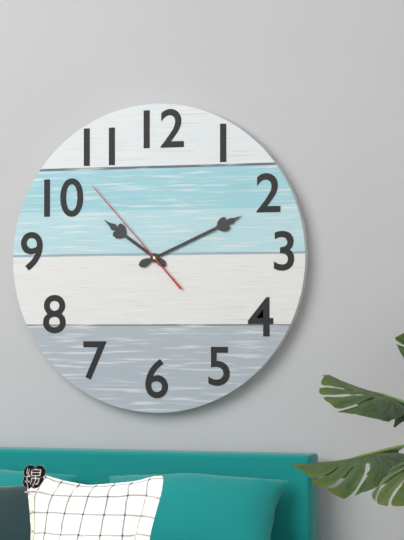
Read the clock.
10:11:53
